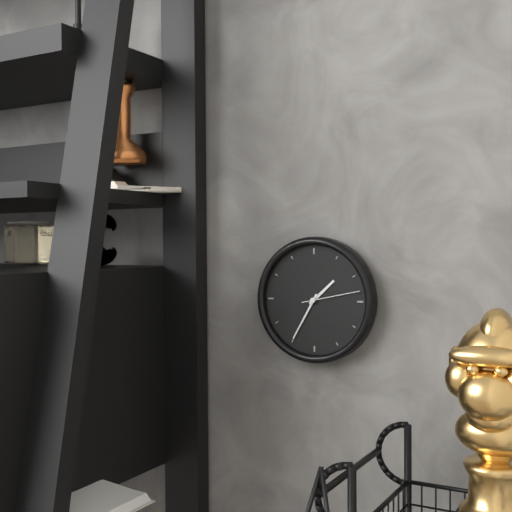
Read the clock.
1:35:13
